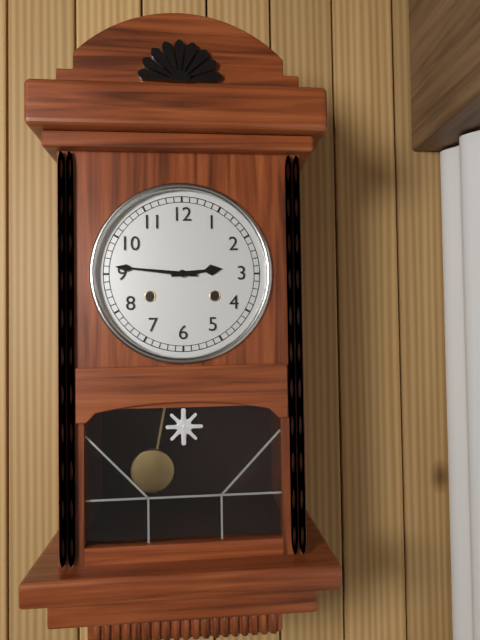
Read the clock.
2:46
